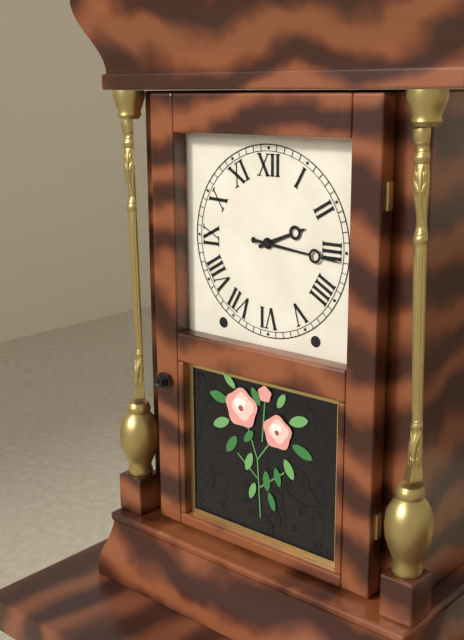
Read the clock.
2:16
